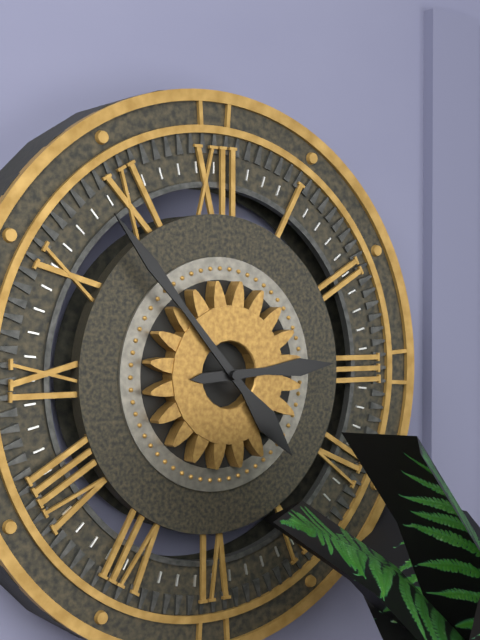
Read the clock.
2:53
